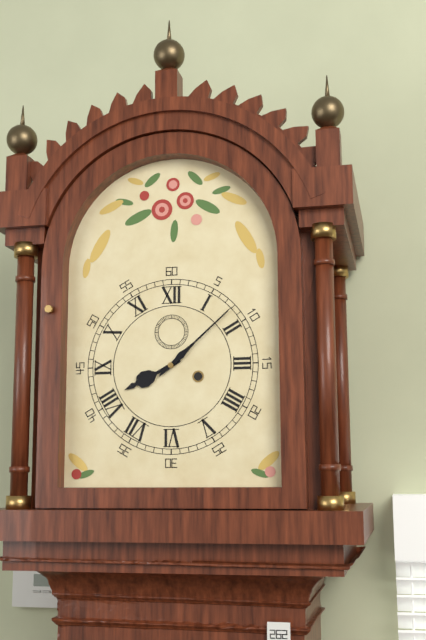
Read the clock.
8:08
